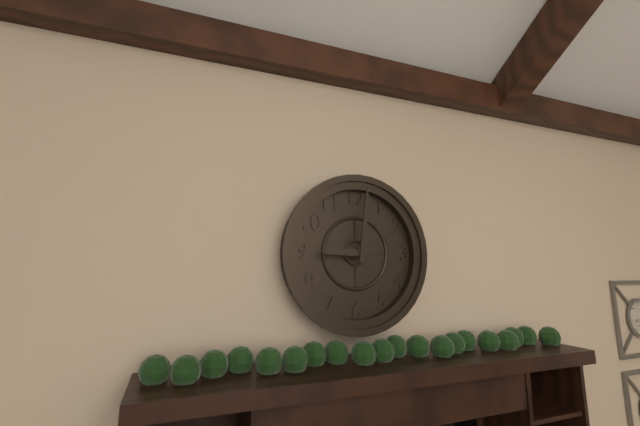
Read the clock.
9:01
